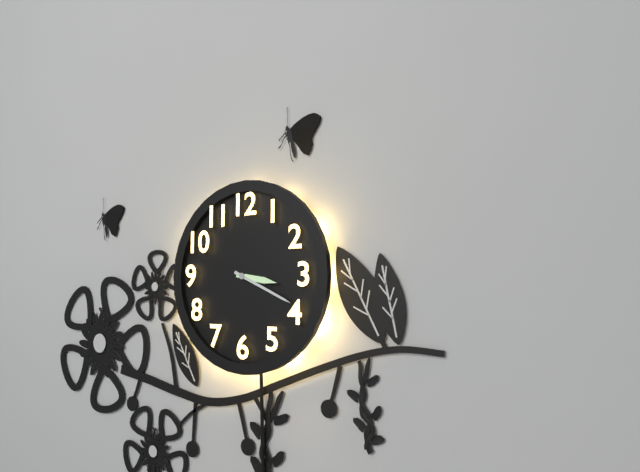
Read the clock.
3:19
